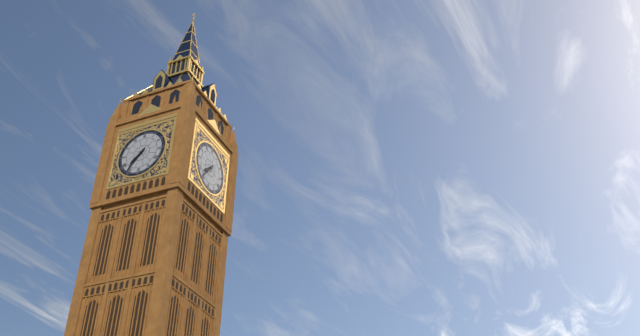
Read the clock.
7:36
